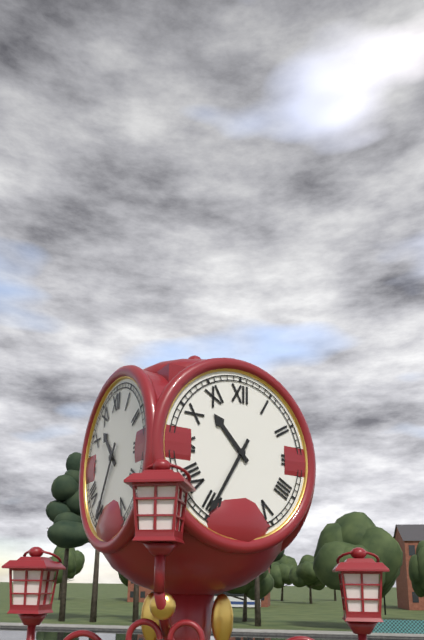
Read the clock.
10:35
